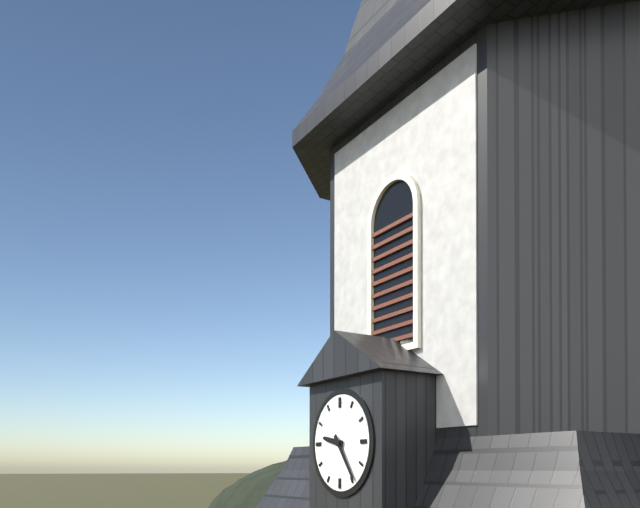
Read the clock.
9:24
